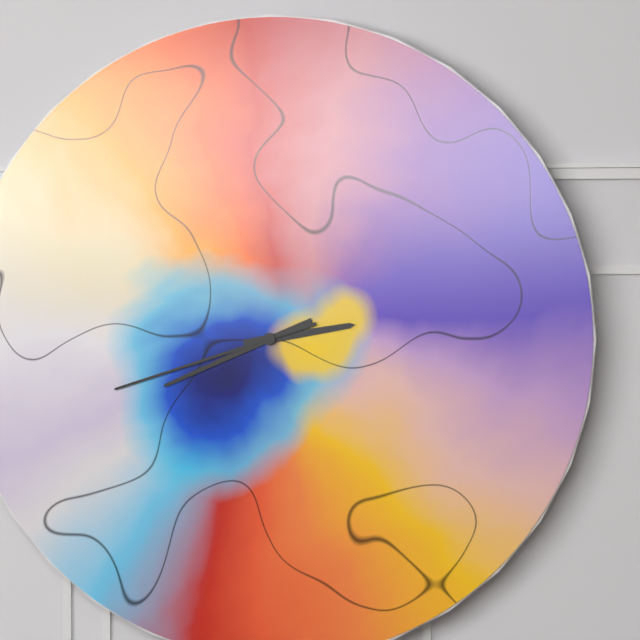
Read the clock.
2:41:42
